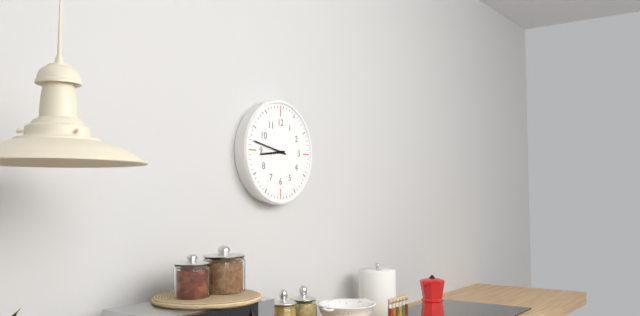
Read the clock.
8:47
